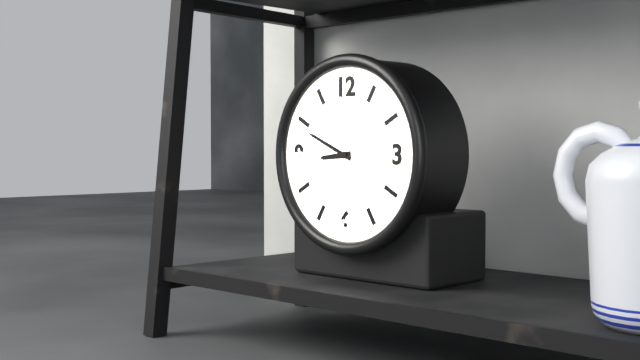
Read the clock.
8:49
